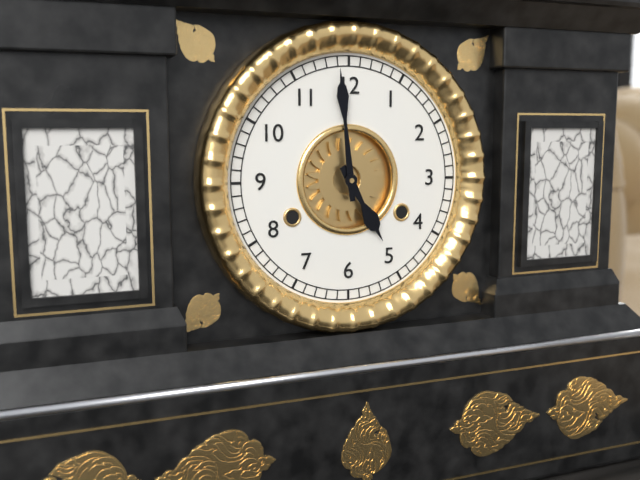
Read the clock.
4:59
